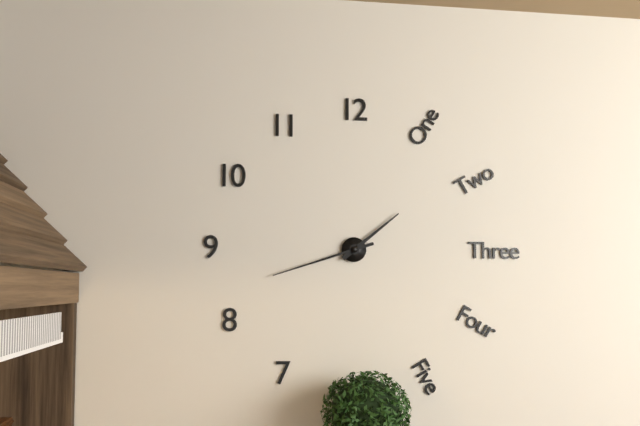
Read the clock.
1:42
